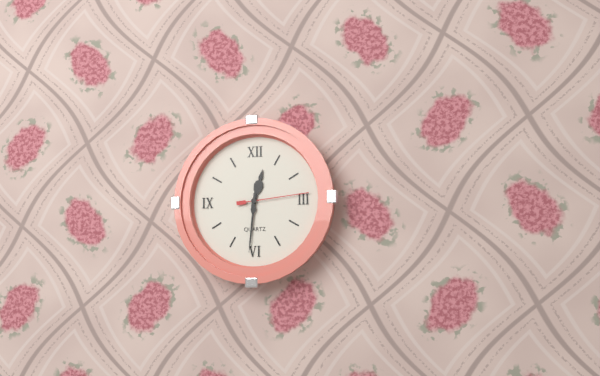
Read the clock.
12:31:14
